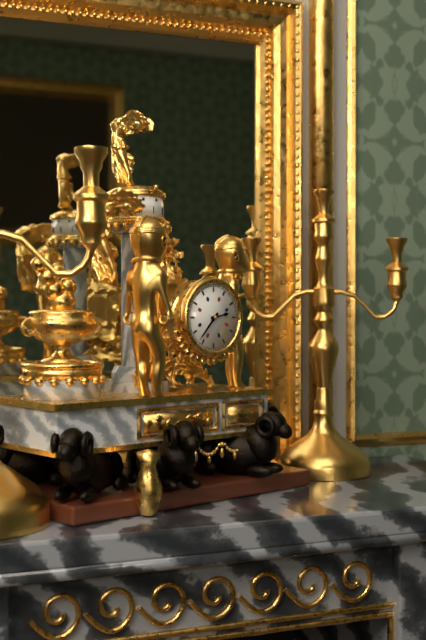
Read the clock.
2:37
